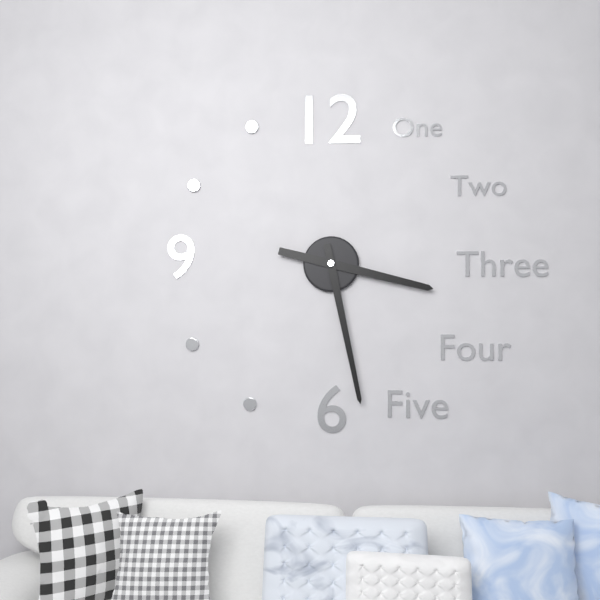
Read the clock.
3:28
